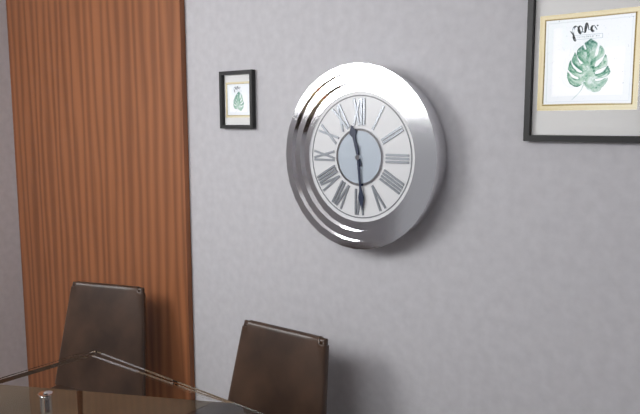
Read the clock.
11:29
